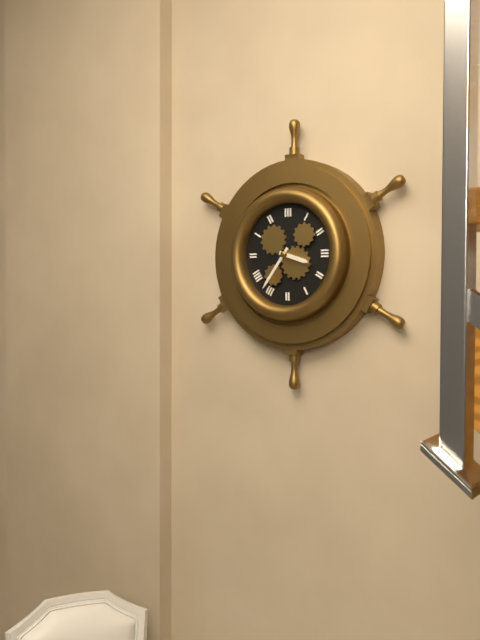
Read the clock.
3:36
